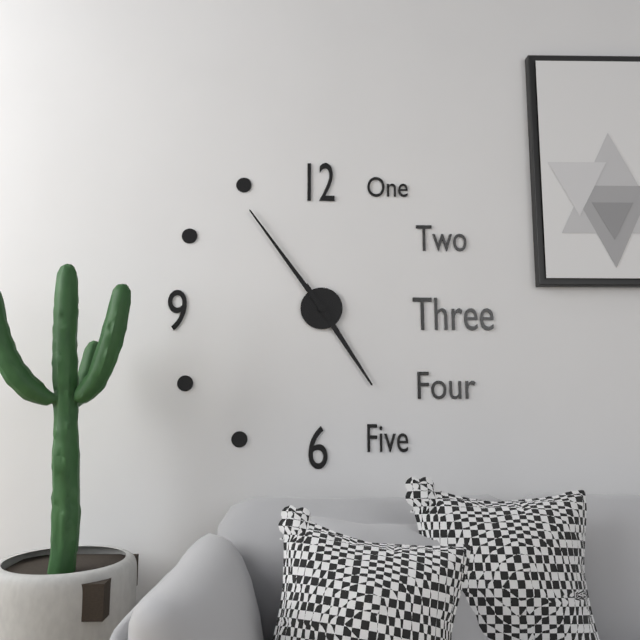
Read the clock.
4:54
